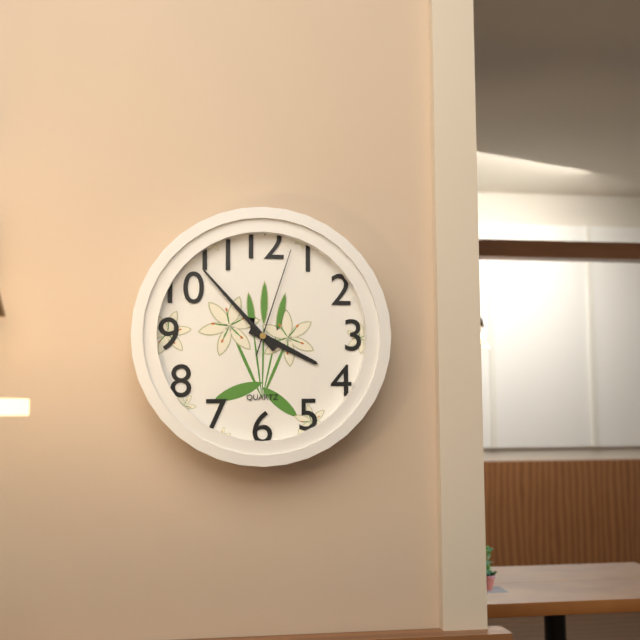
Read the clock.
3:53:03
